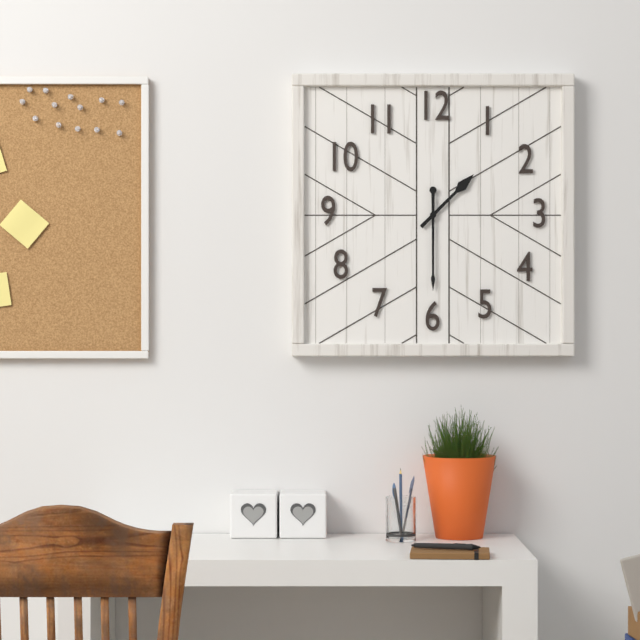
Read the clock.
1:30
